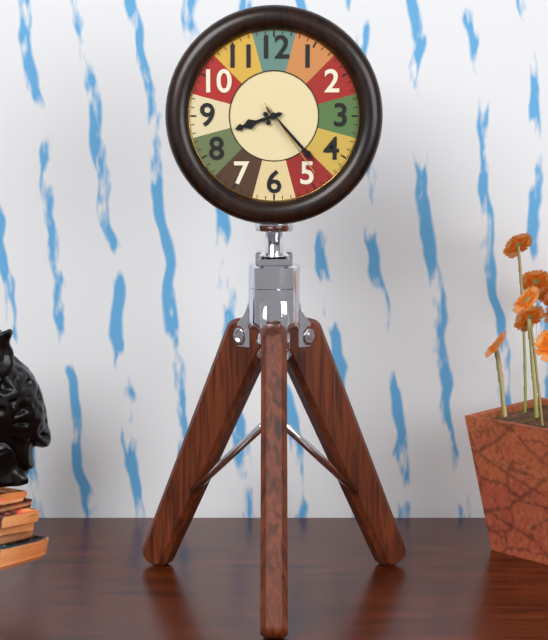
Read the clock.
8:23:24
